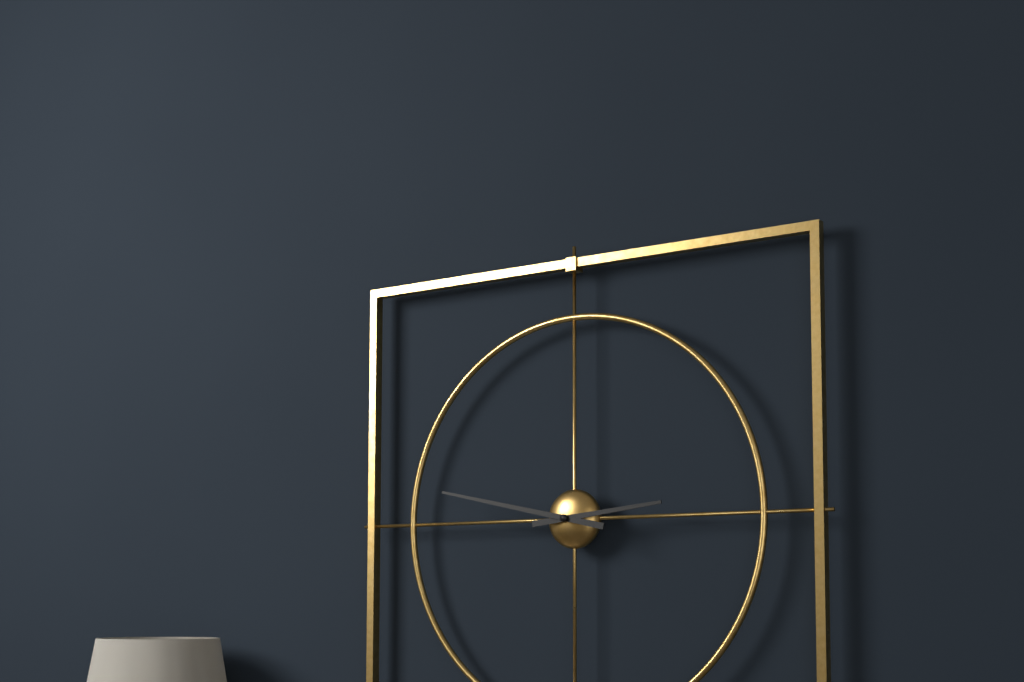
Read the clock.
2:47
